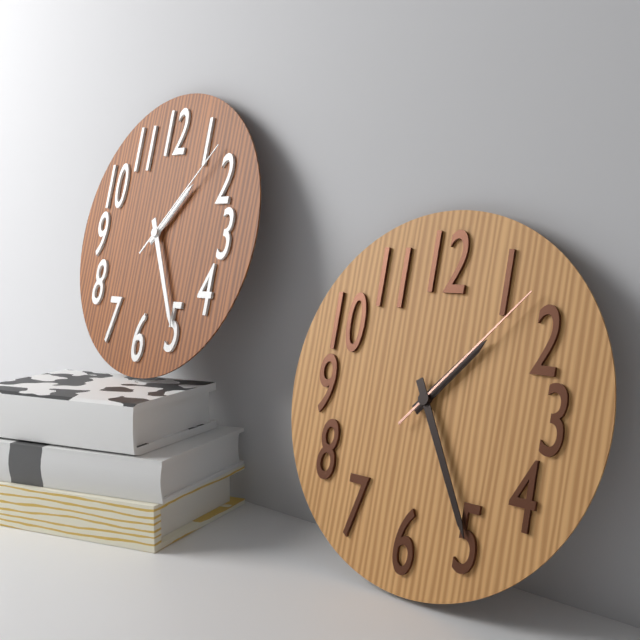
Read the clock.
1:25:07
